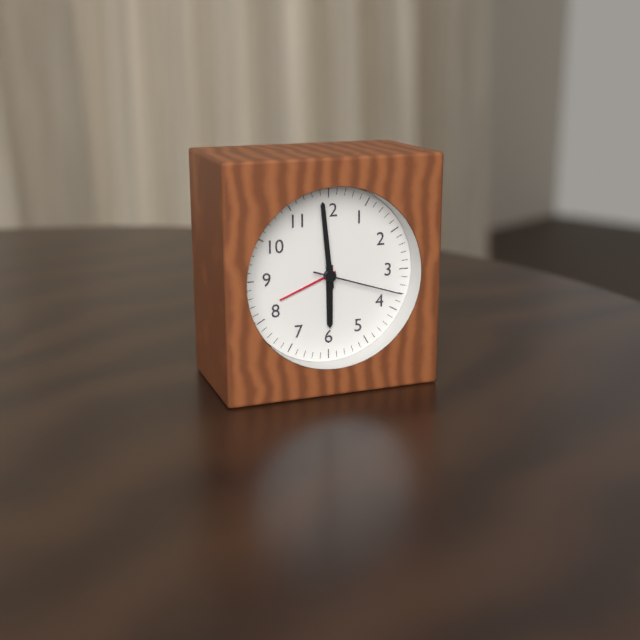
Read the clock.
5:59:18
